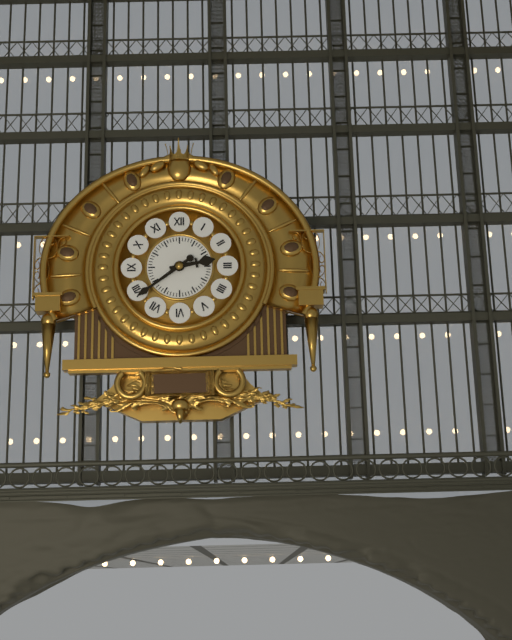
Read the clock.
2:39
